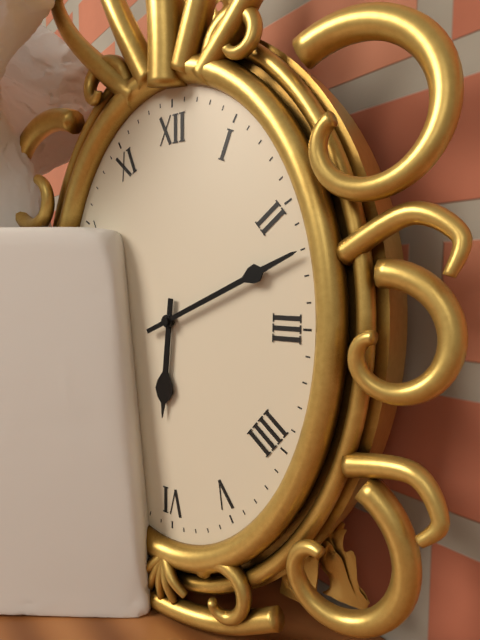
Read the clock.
6:11
